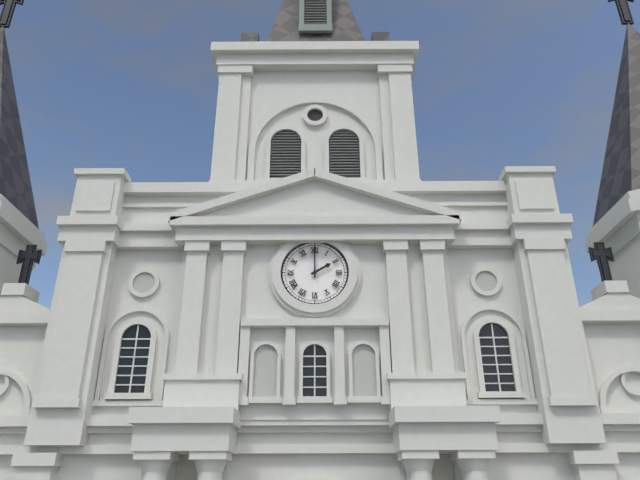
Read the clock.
2:00
